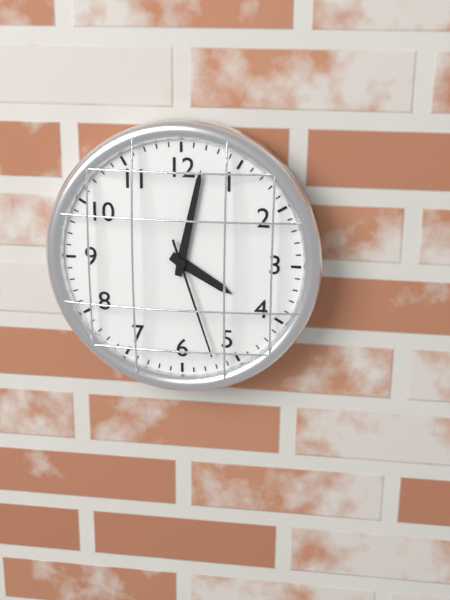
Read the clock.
4:02:27
